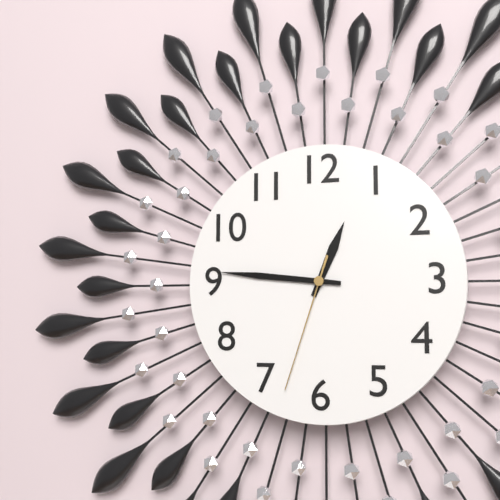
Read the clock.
12:46:33
